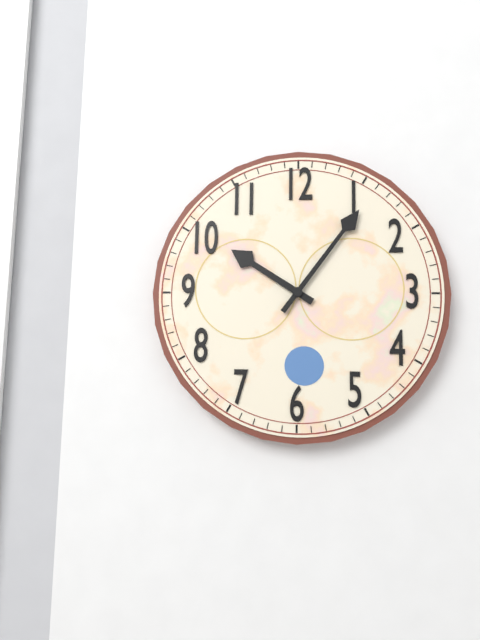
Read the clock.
10:06
